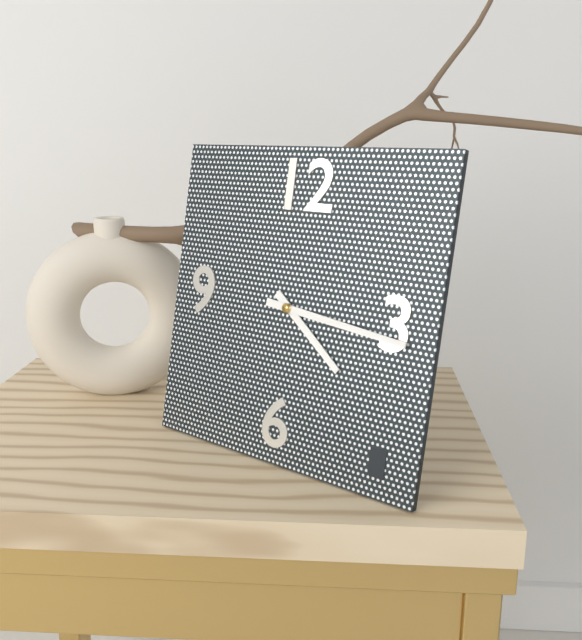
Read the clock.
4:16
